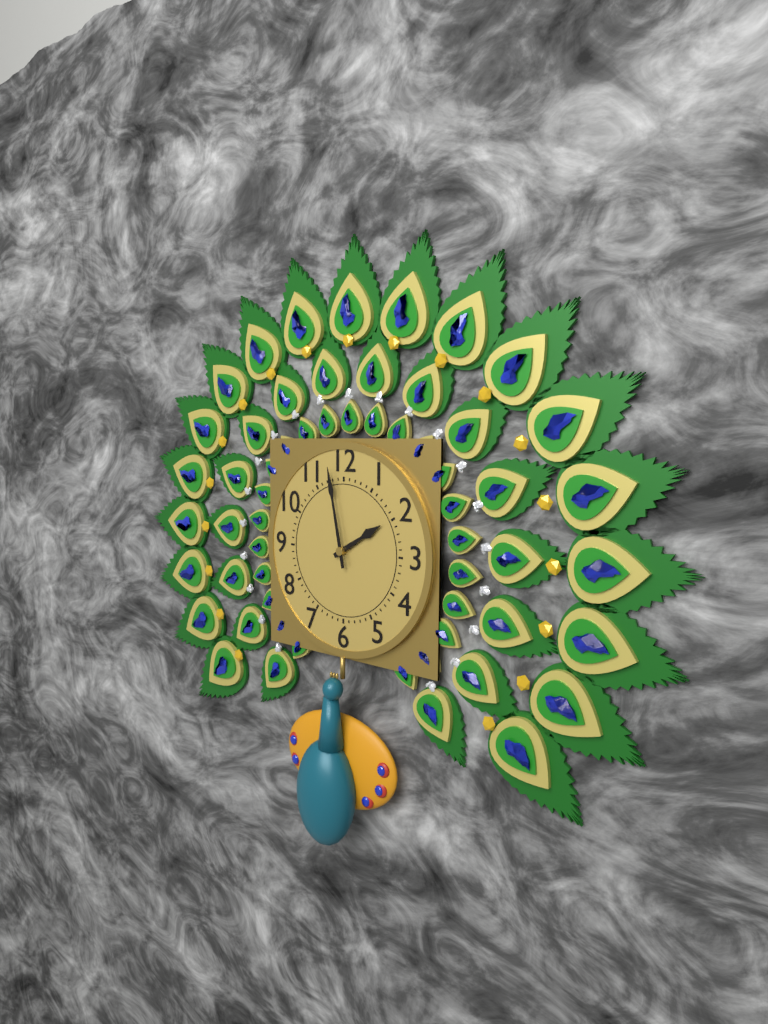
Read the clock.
1:58
